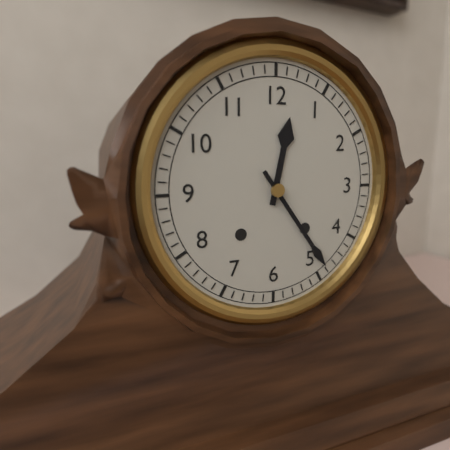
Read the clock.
12:24
